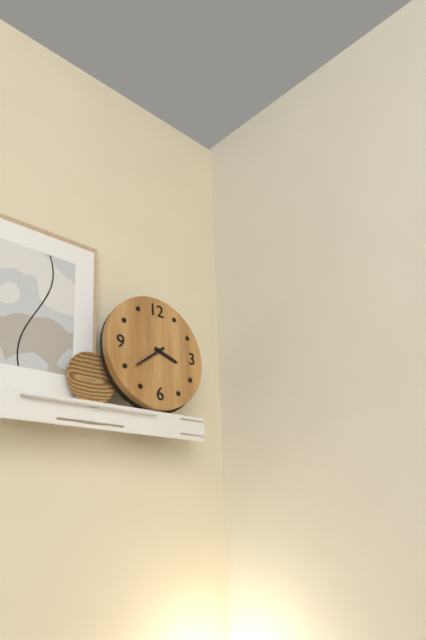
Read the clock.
3:39
